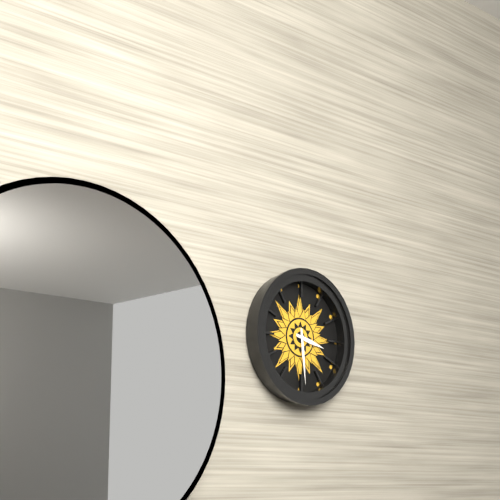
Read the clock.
3:29
